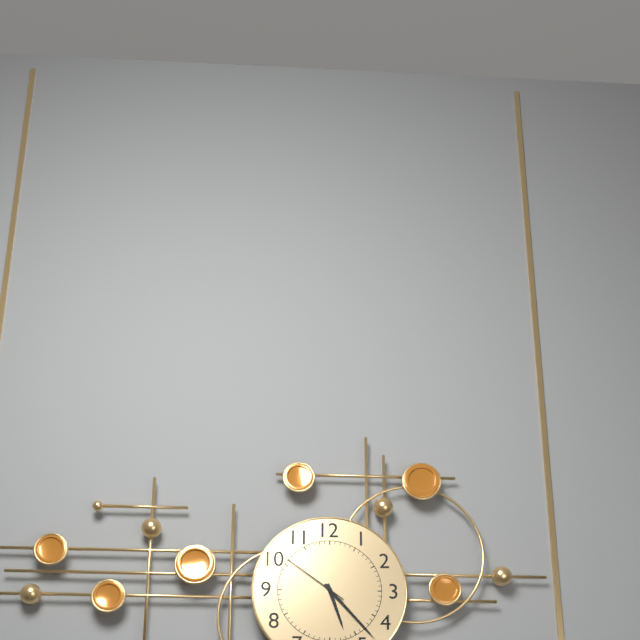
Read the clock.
5:23:51
